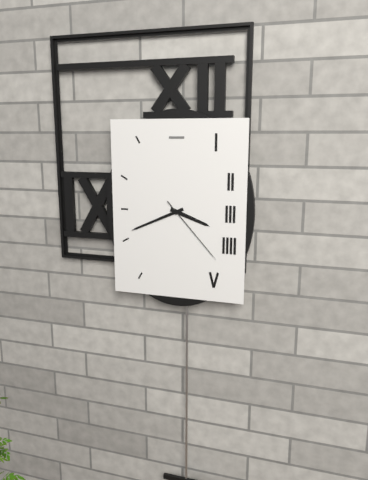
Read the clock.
3:41:23
